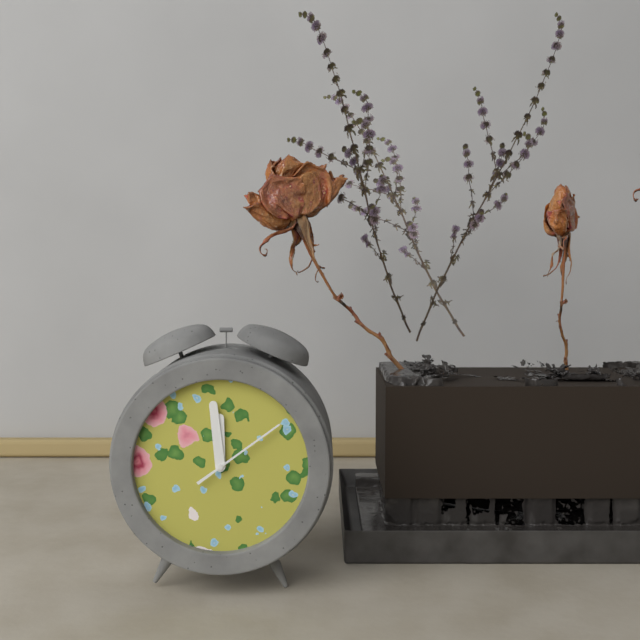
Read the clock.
11:59:09
